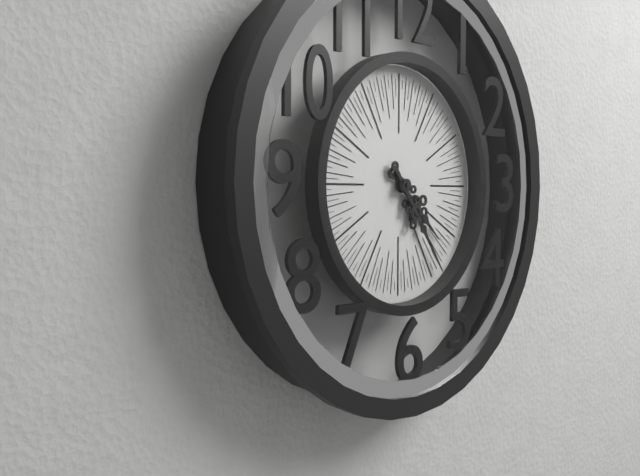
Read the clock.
4:24
